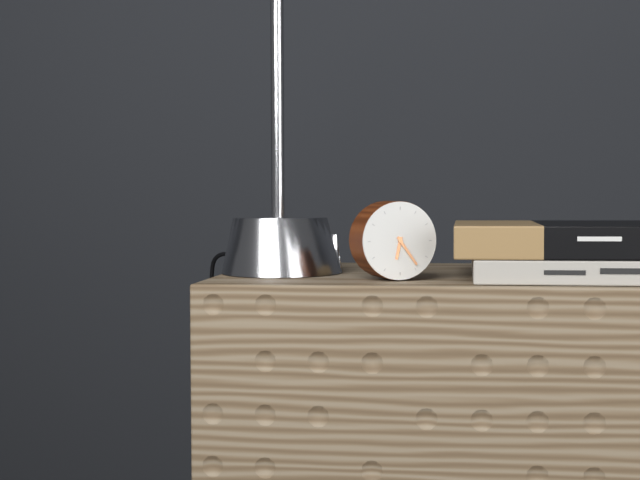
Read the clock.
6:24
